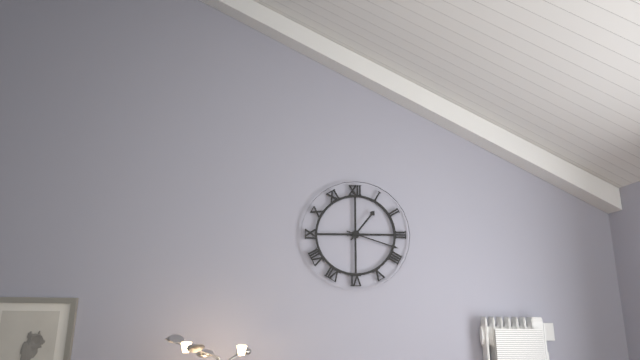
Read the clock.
1:18
